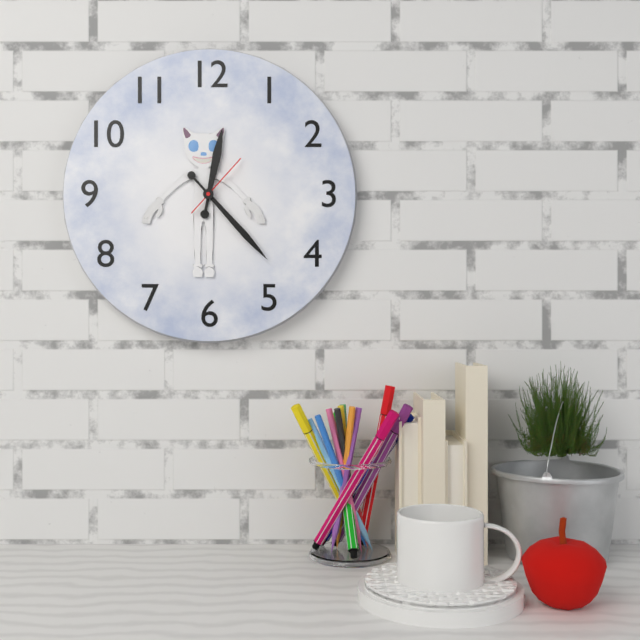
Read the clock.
12:23:07
